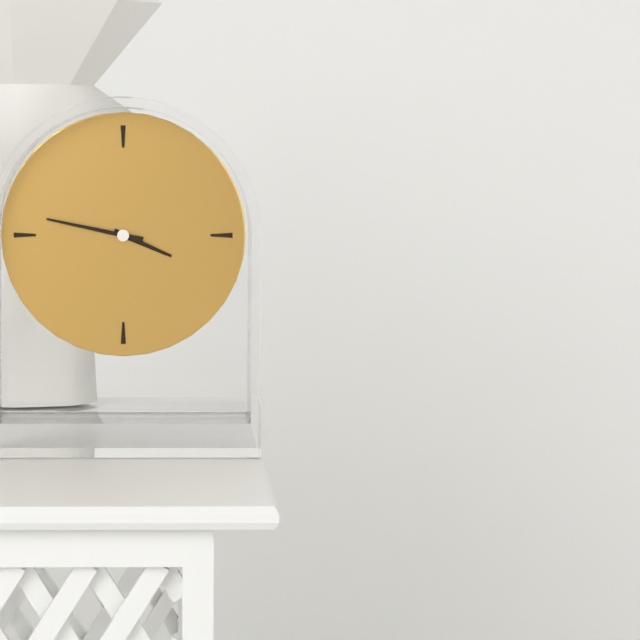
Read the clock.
3:47
